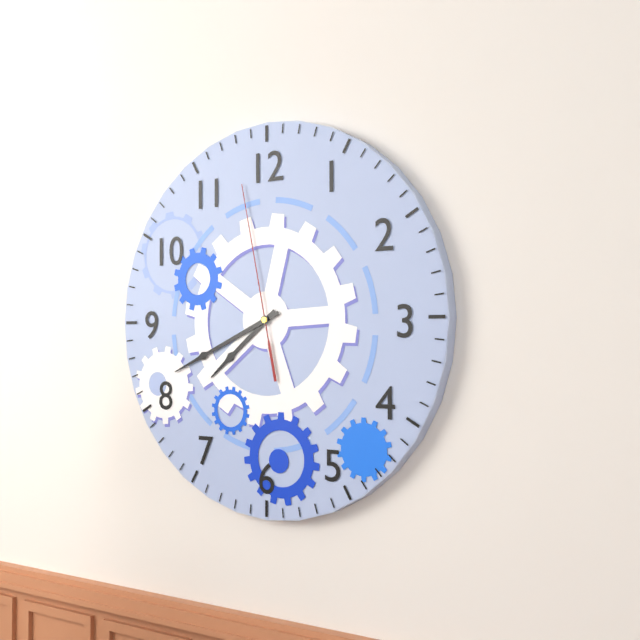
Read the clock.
7:41:58
